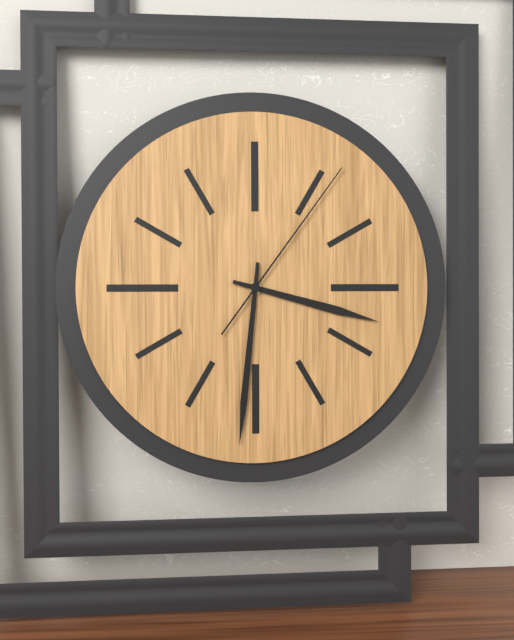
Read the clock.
3:31:06
